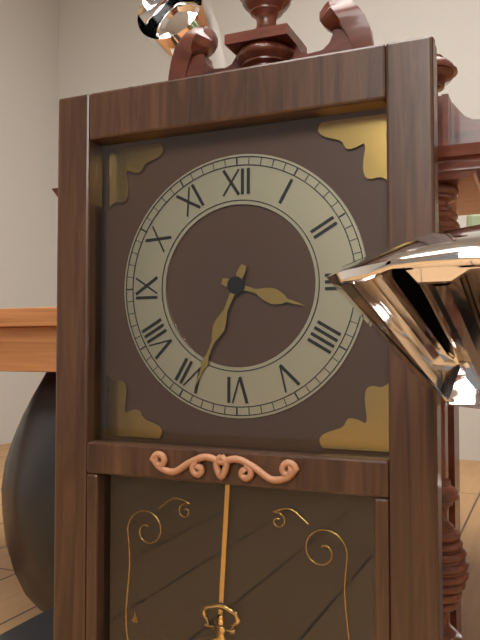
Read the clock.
3:34
